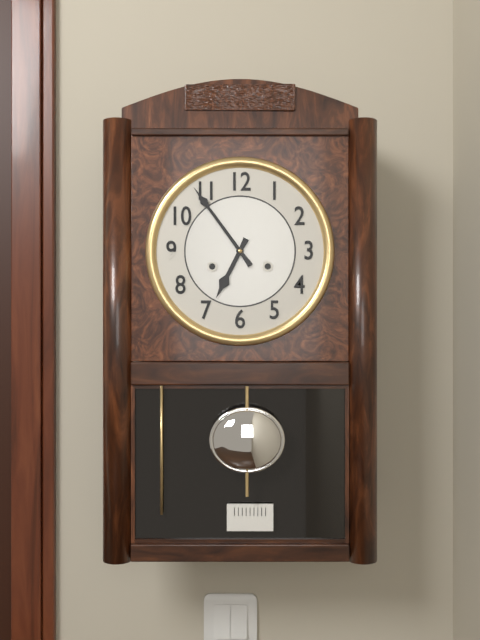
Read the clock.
6:54
